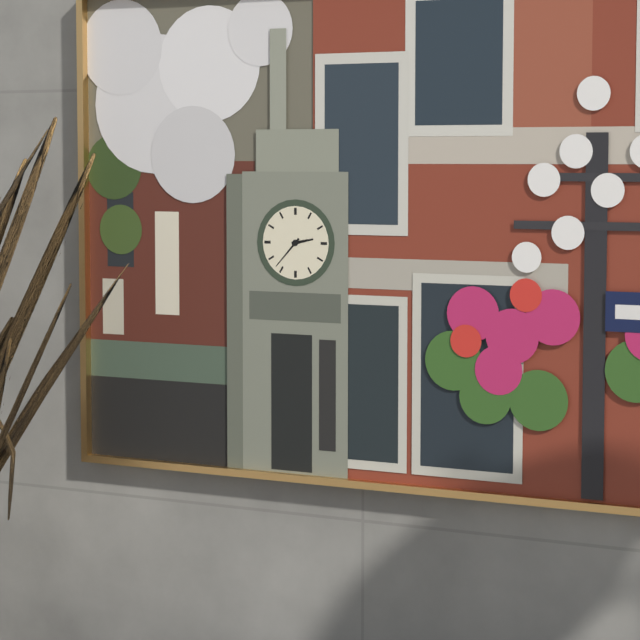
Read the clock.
2:37
